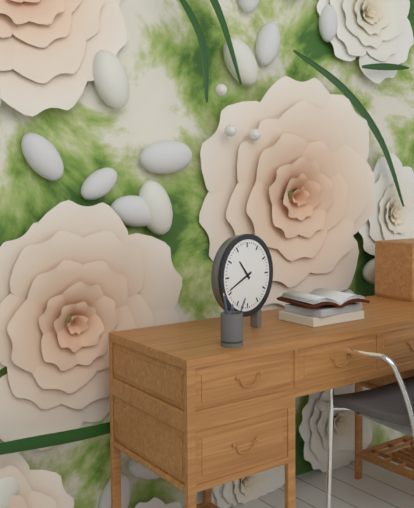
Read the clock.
10:41
